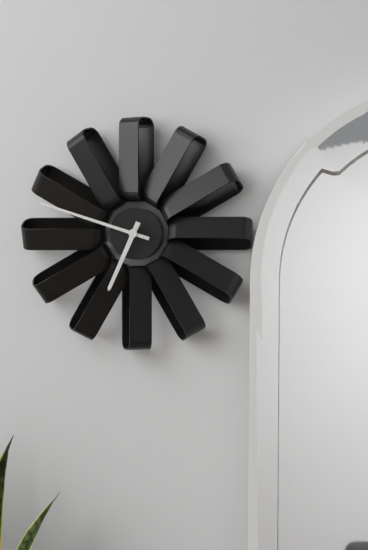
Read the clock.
6:48
